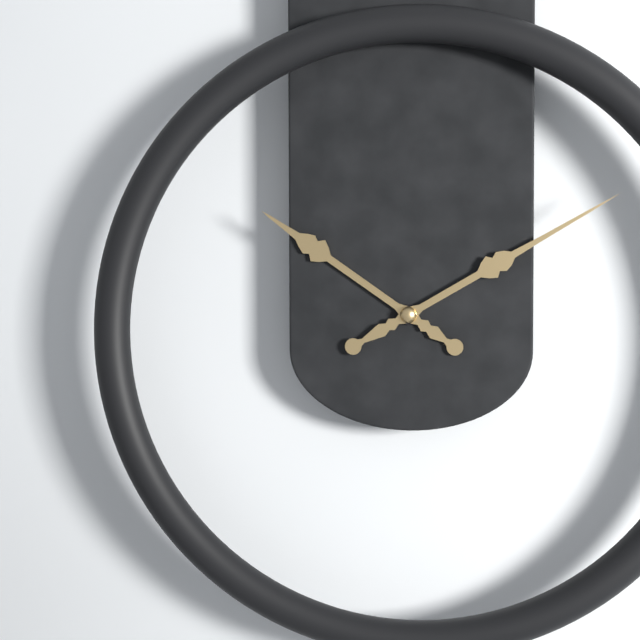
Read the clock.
10:10
